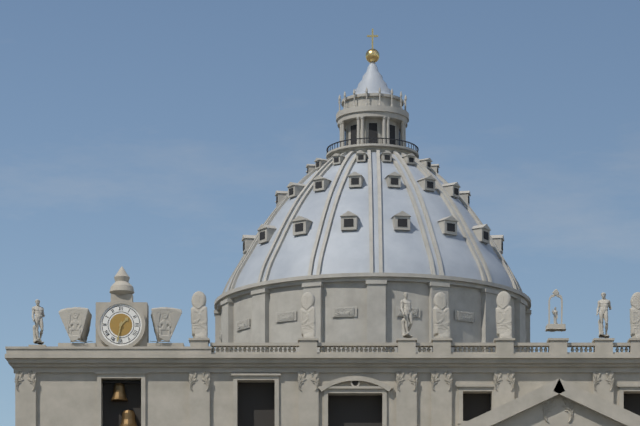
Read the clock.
1:32
